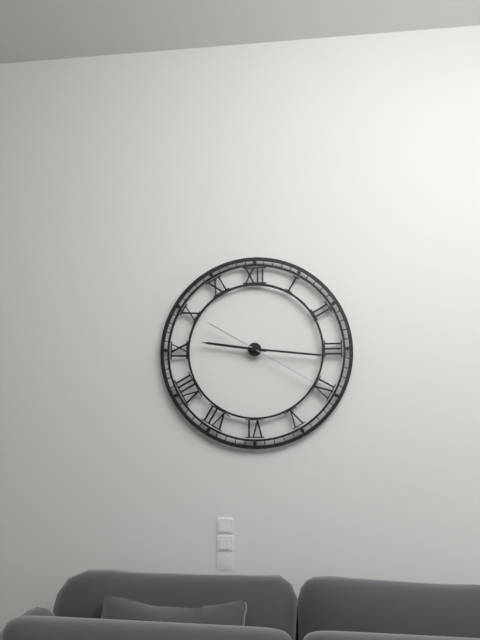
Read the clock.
9:16:20
